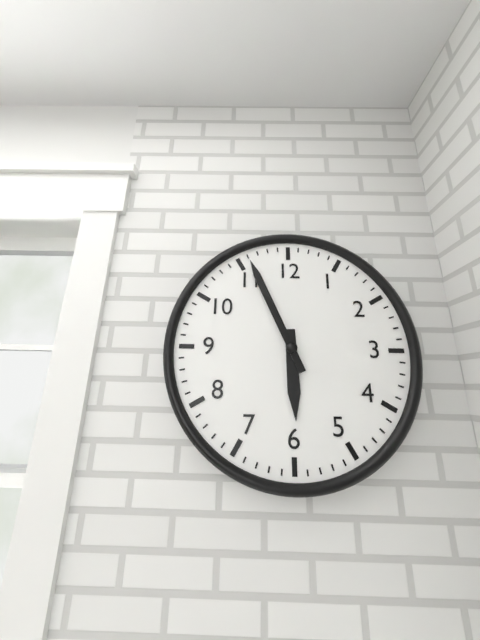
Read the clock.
5:56
